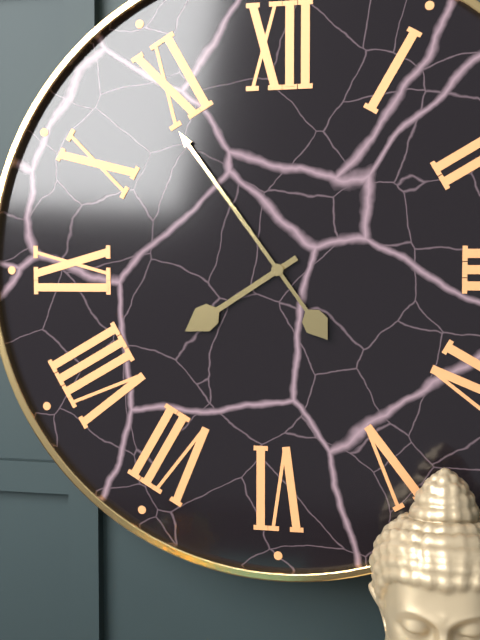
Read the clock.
7:54
